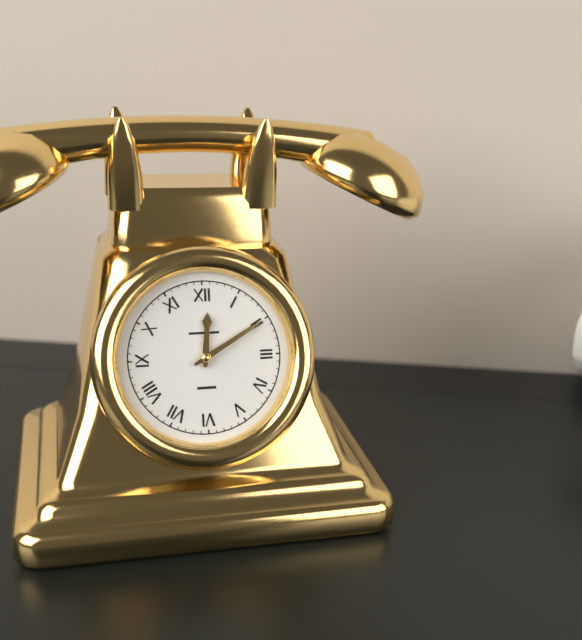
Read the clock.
12:10
